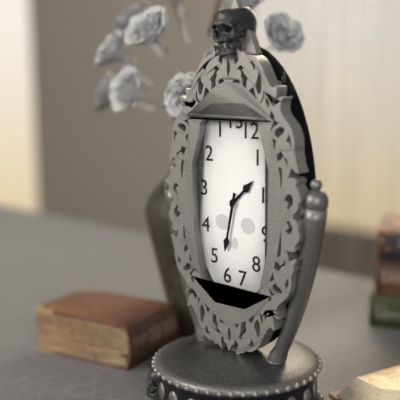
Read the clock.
1:32
